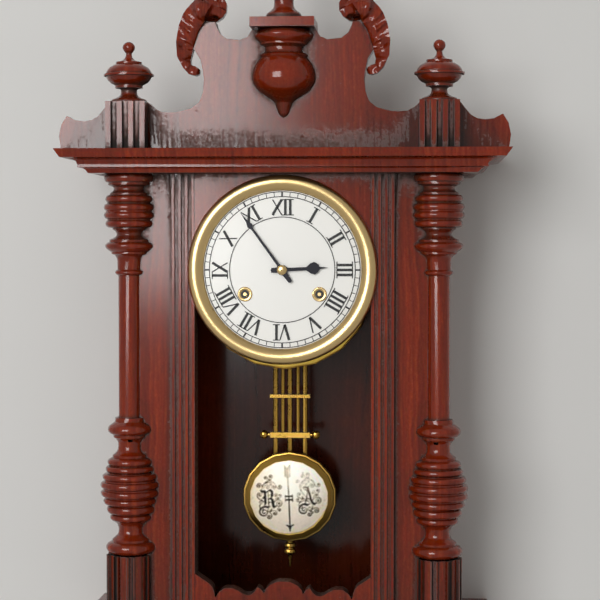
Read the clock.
2:54
